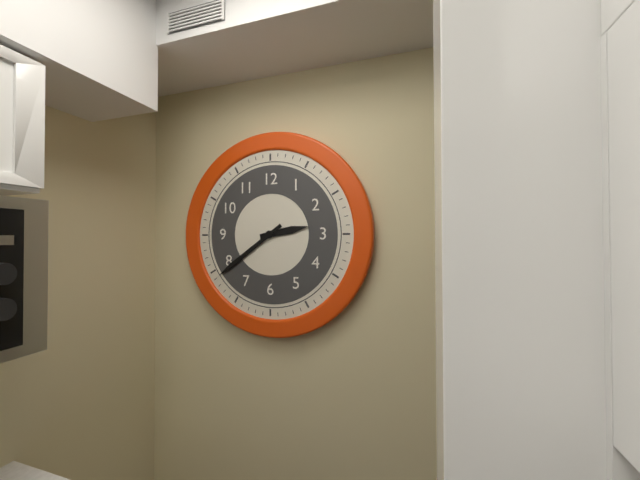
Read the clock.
2:39
